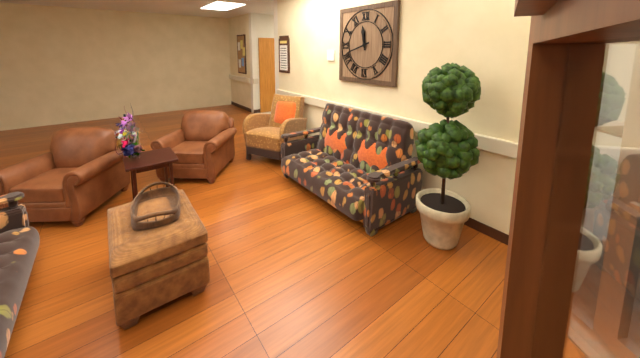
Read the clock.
11:42
